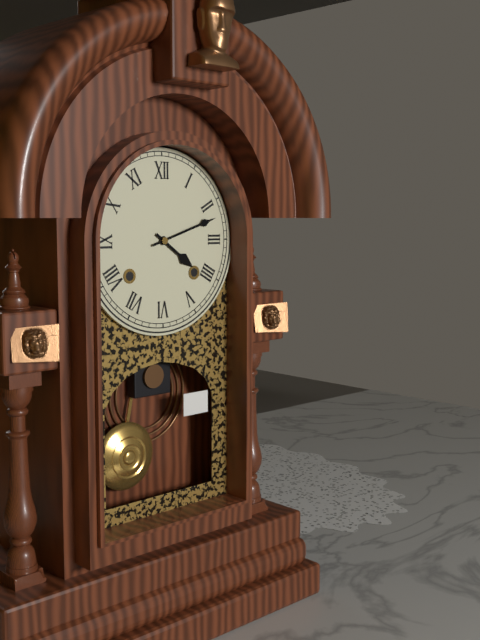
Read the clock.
4:12
